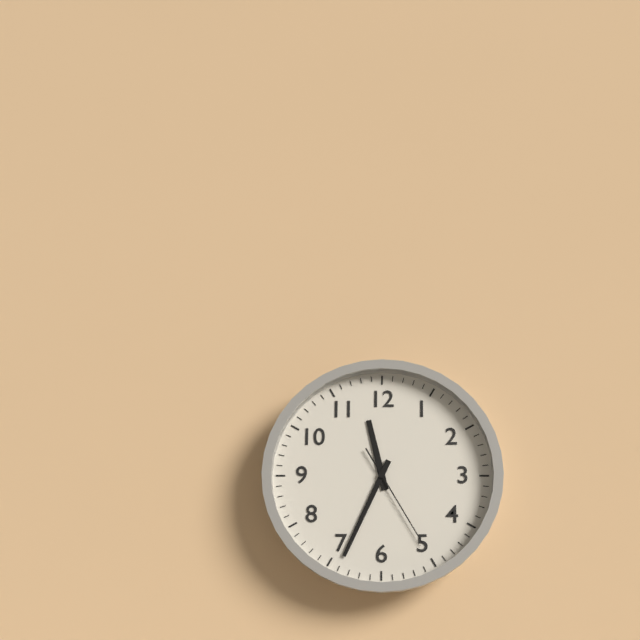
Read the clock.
11:34:25
